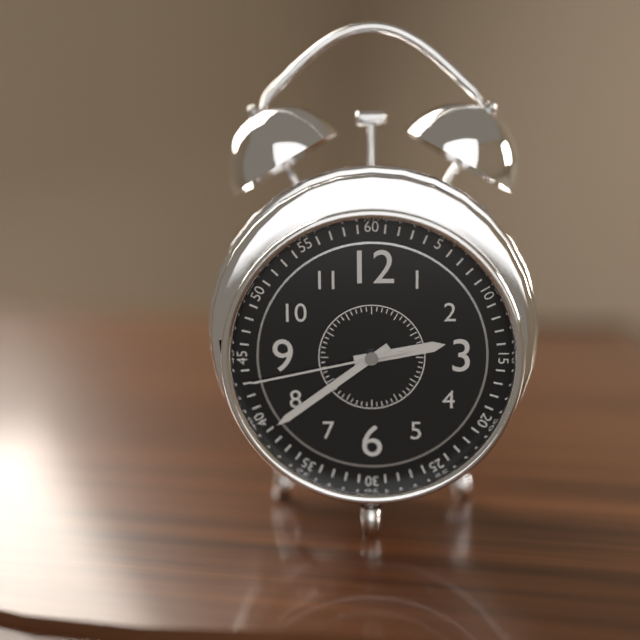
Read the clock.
2:39:43
